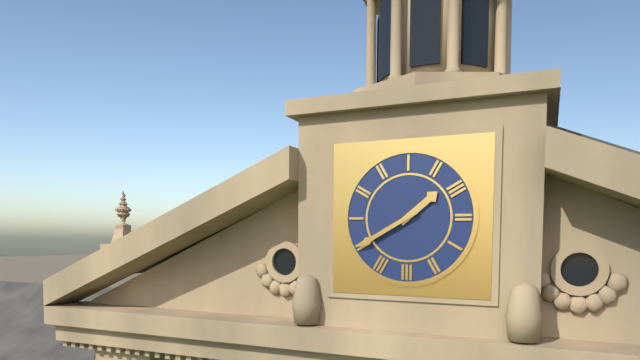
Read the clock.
1:40
